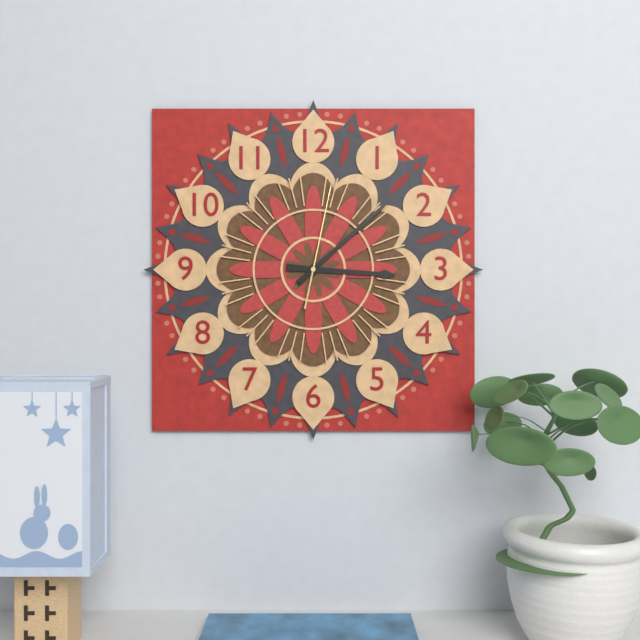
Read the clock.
3:08:02
